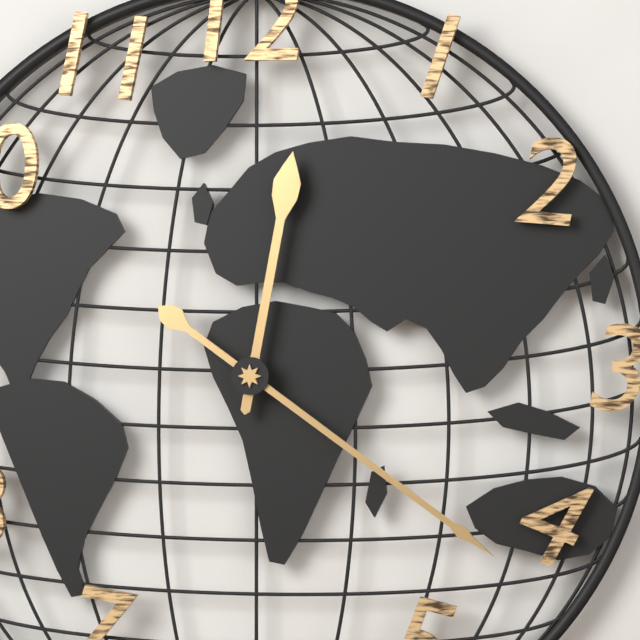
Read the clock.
12:21
